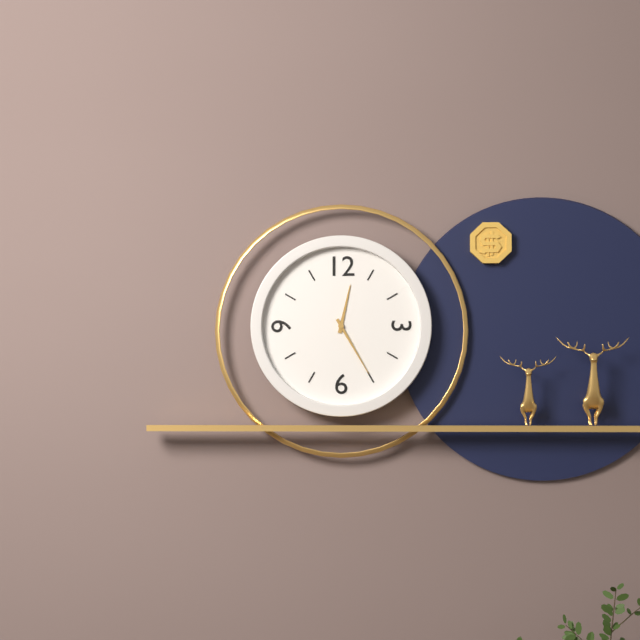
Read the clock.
12:25
